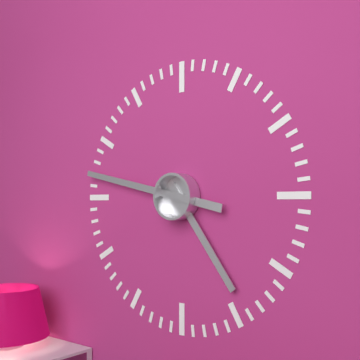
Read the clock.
4:47
